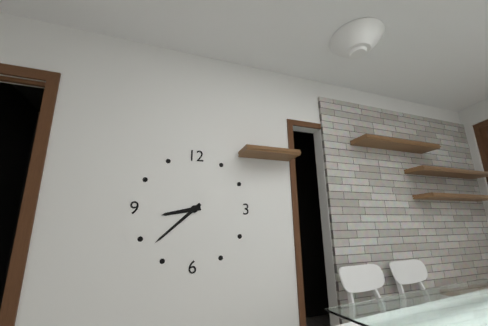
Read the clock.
8:38
